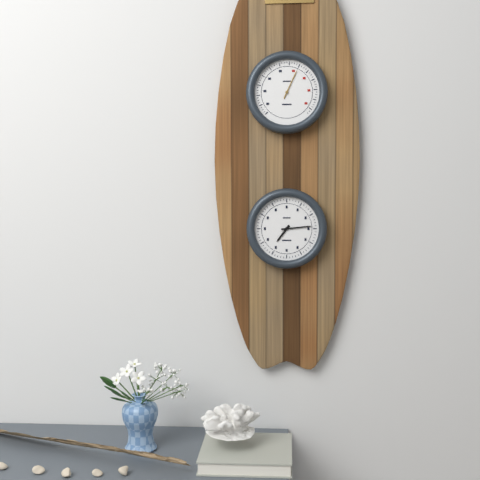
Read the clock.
7:14
